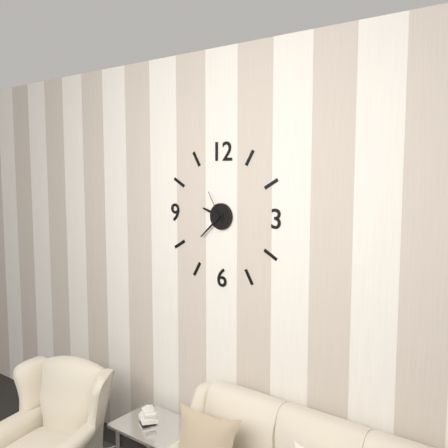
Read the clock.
9:38
